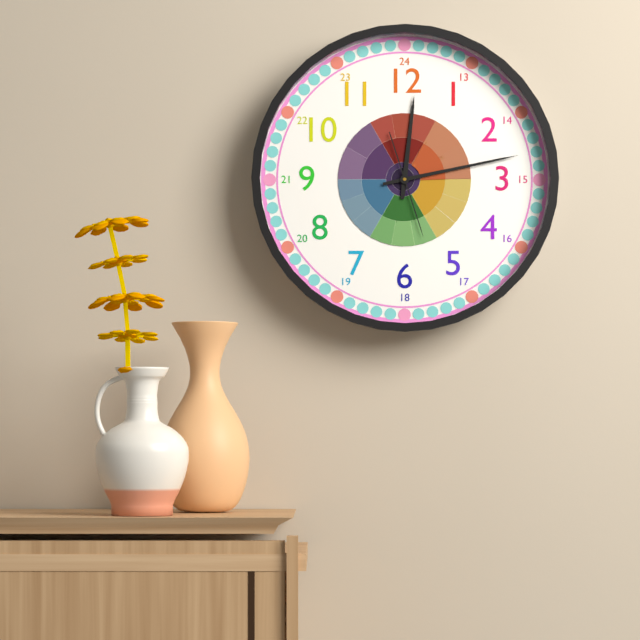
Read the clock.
12:13:27
